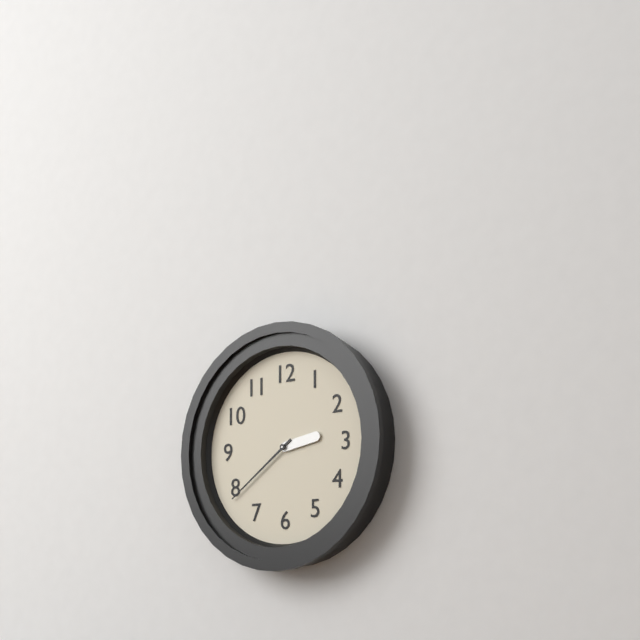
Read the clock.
2:39
